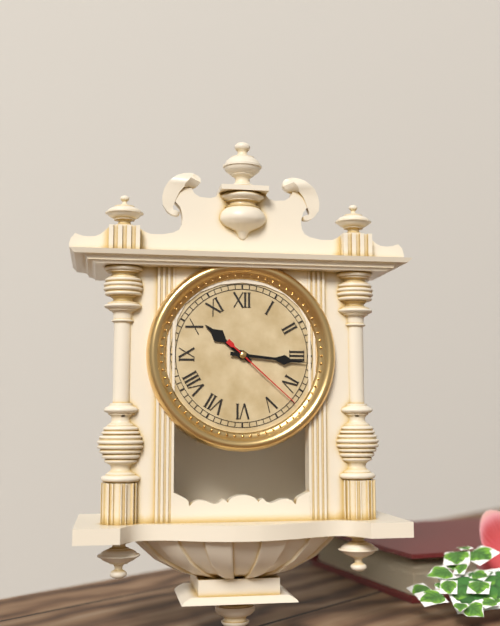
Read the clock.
10:16:22
